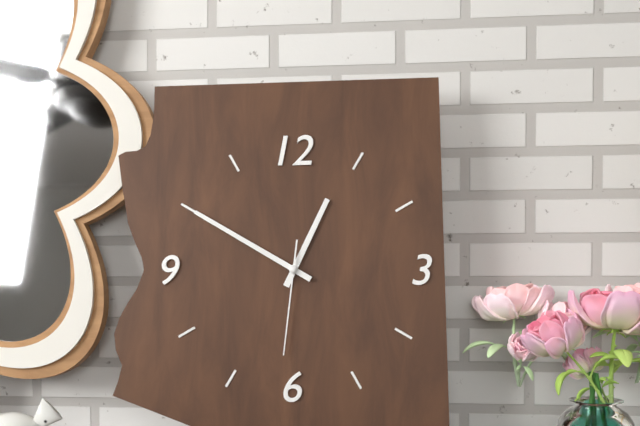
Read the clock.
12:50:31
